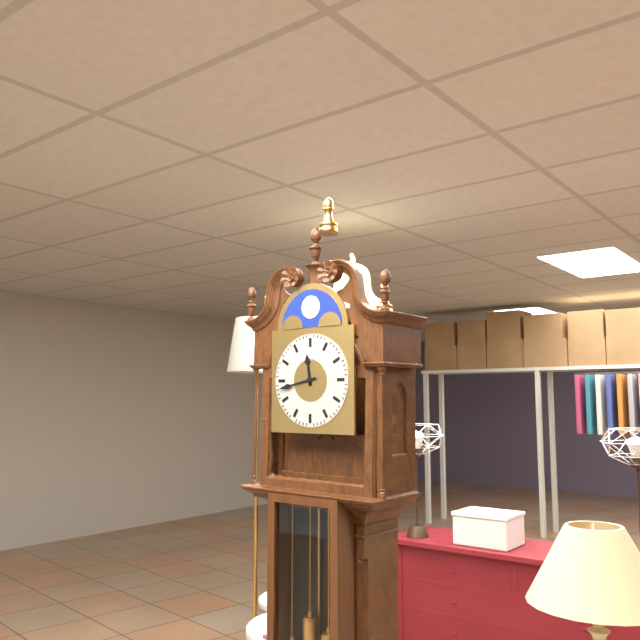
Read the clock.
11:43
